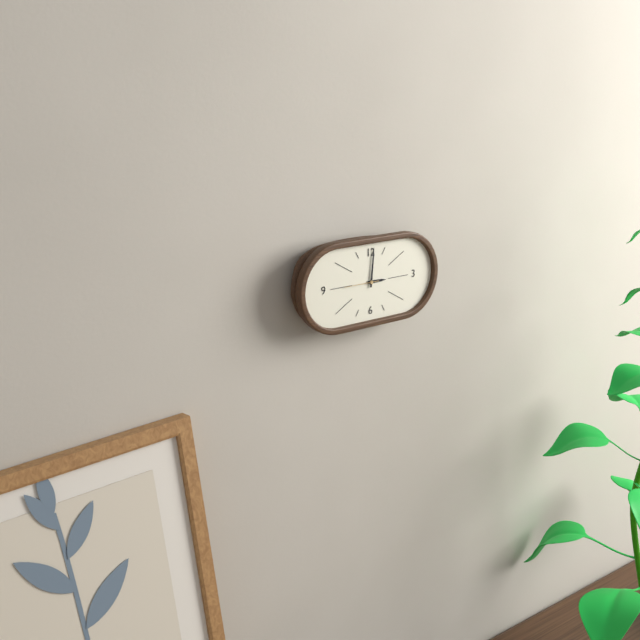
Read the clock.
3:01
